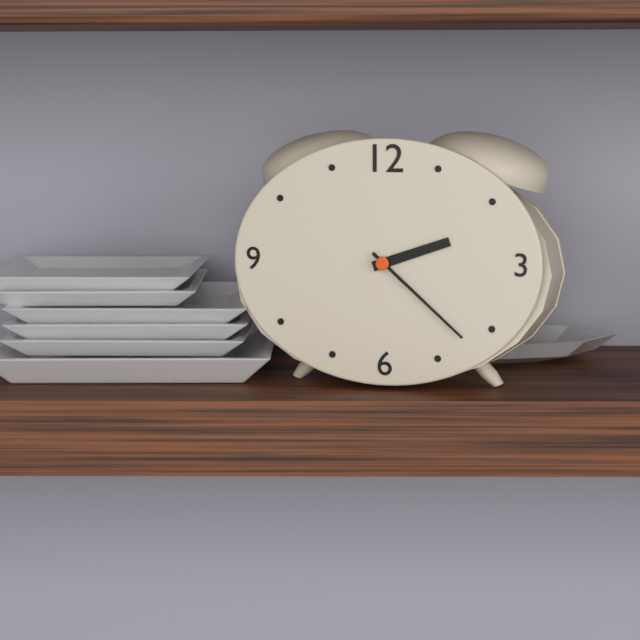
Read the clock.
2:22
